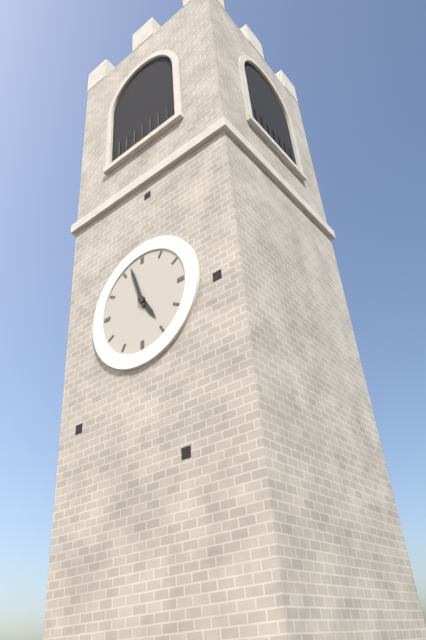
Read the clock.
4:57
